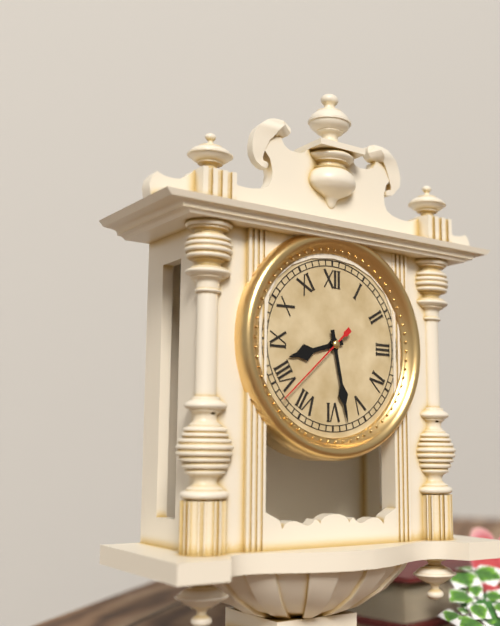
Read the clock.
8:28:38
